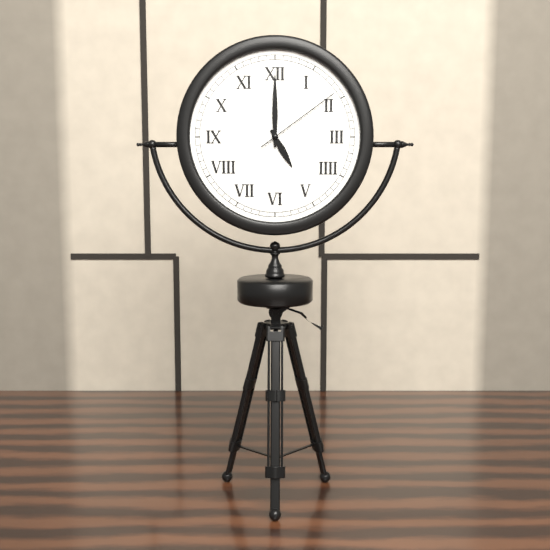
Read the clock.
5:00:09
